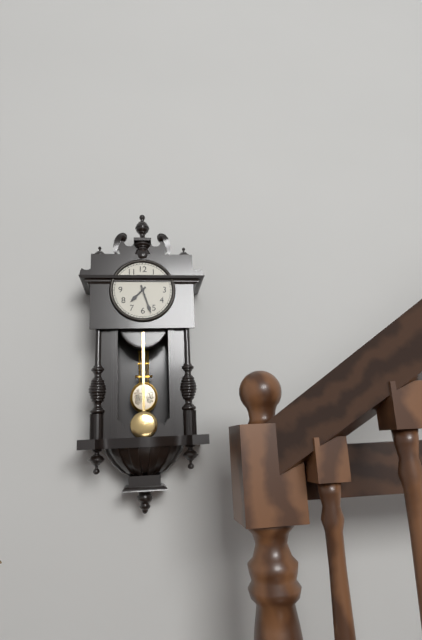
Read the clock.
7:27
